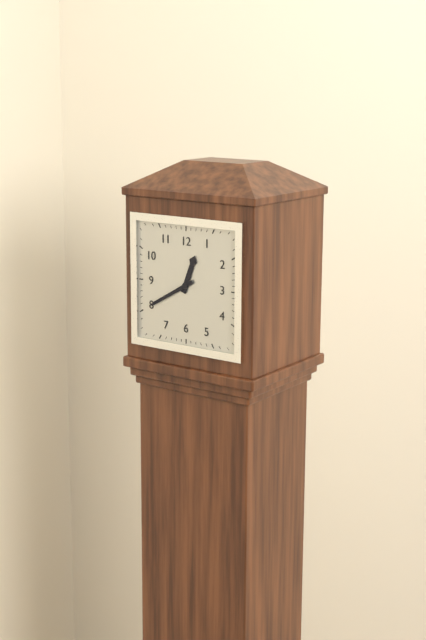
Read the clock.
12:40
